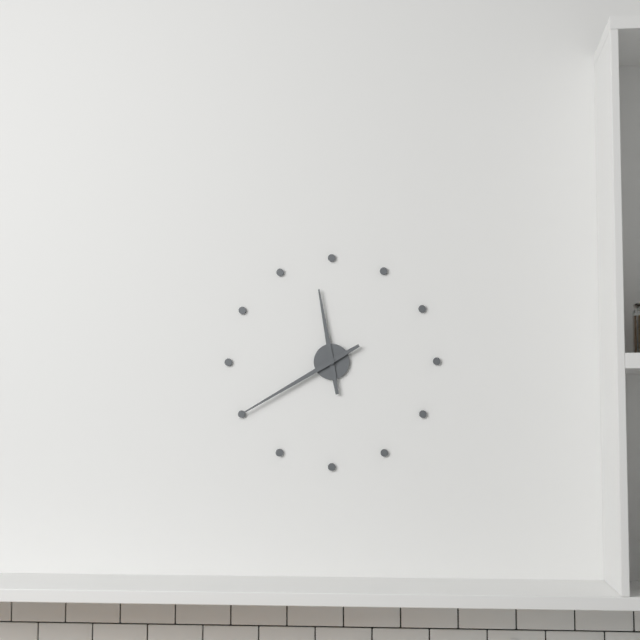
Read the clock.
11:40
